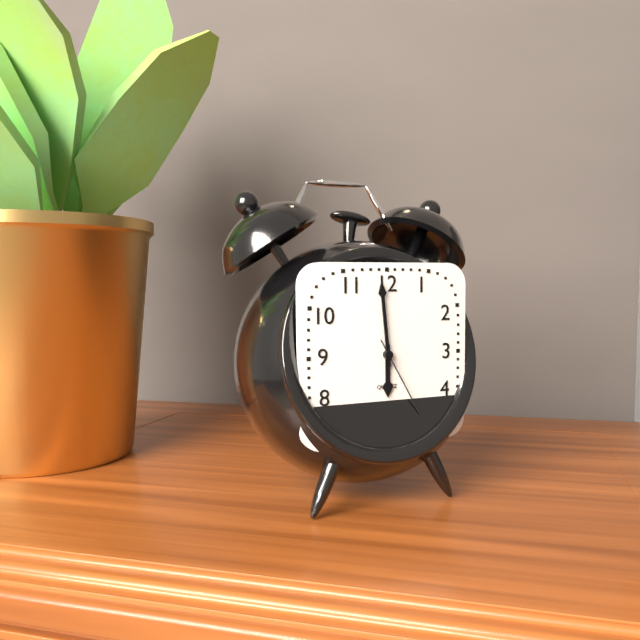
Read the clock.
5:59:25
